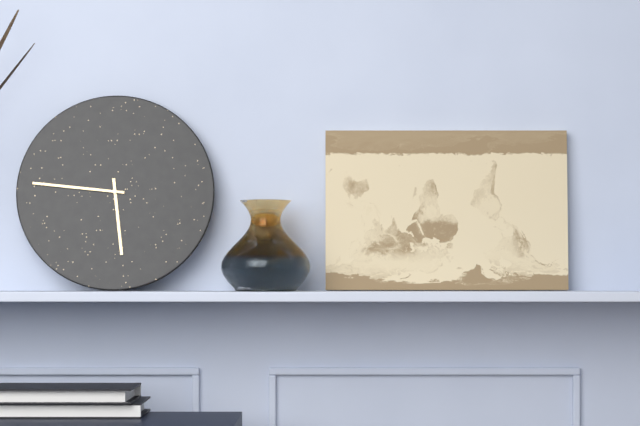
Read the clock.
5:46
